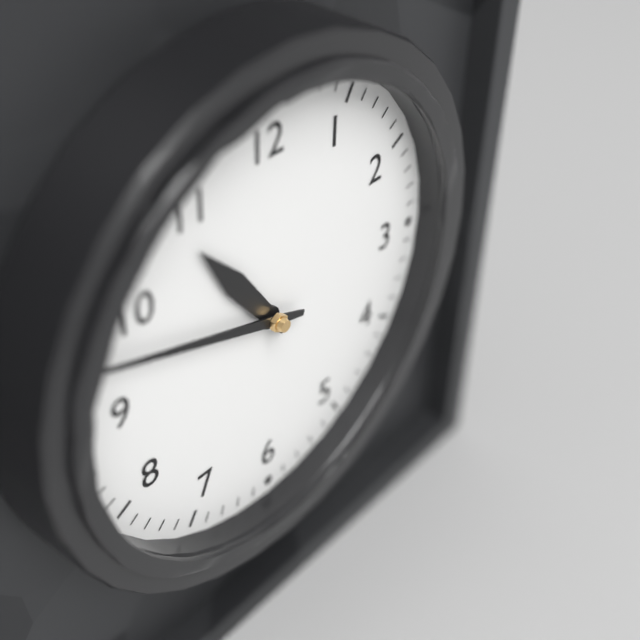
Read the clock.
10:48
